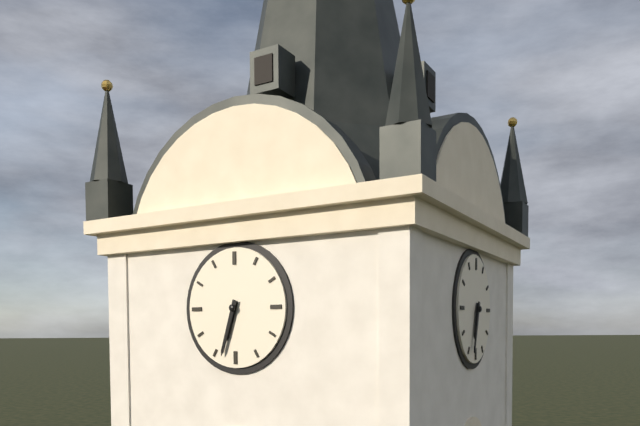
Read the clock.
6:33
